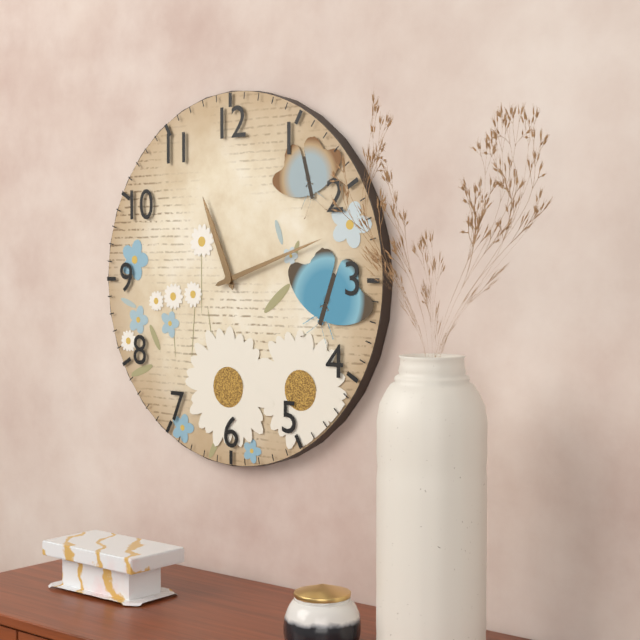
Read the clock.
11:12
